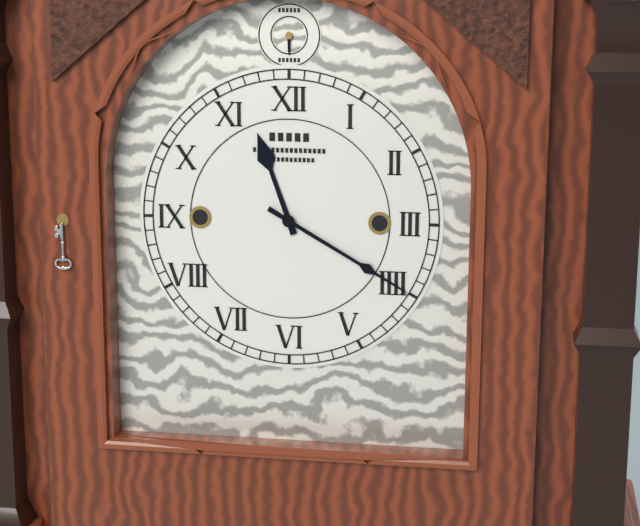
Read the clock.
11:20
